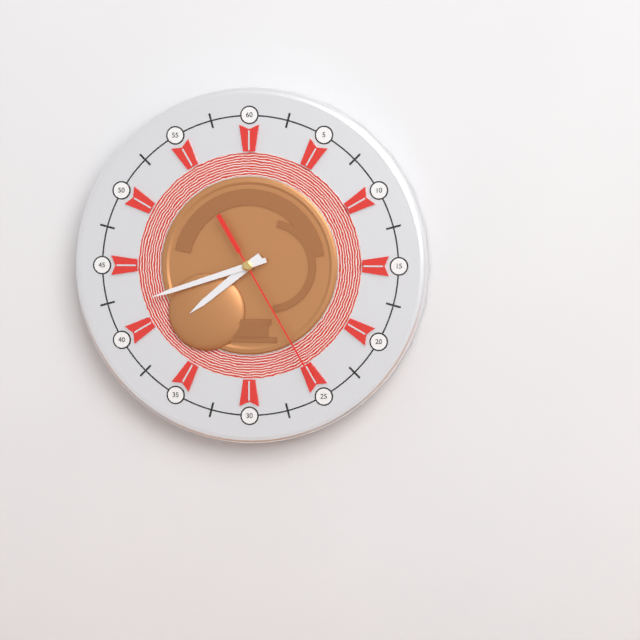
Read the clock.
7:42:25
